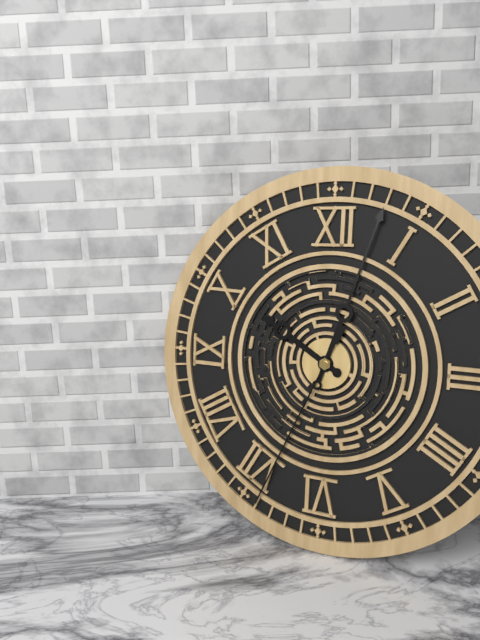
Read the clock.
10:03:34
